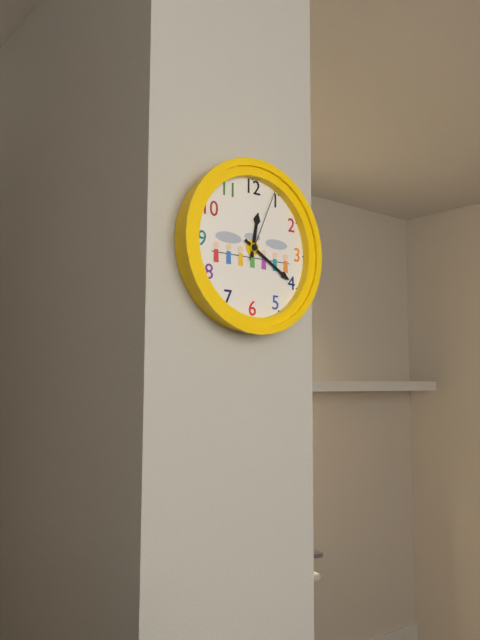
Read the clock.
12:20:04
